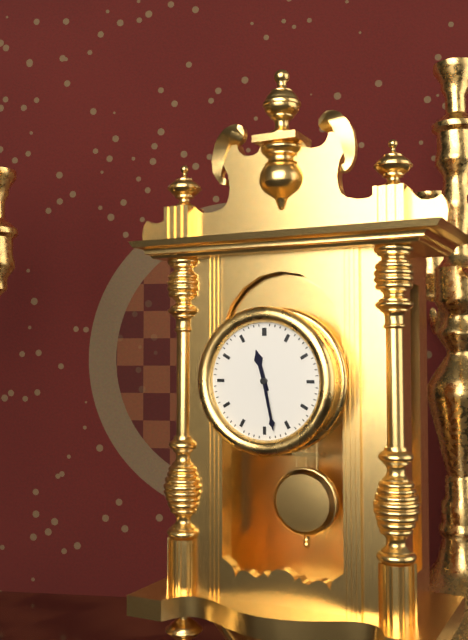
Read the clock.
11:28
